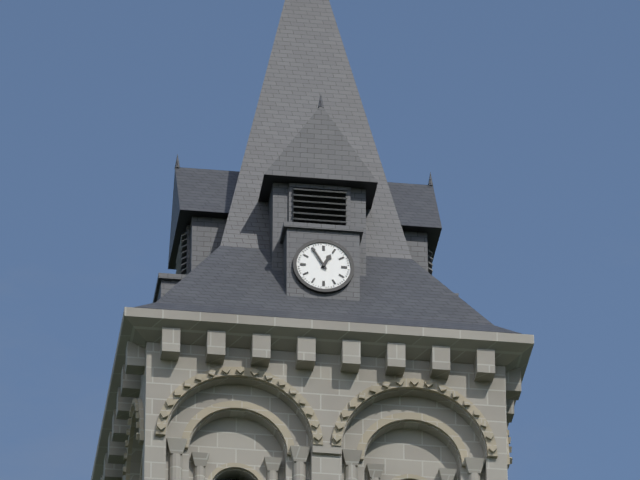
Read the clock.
12:55
